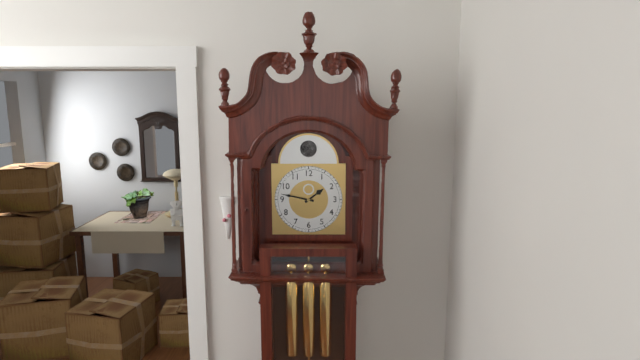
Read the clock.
1:47
